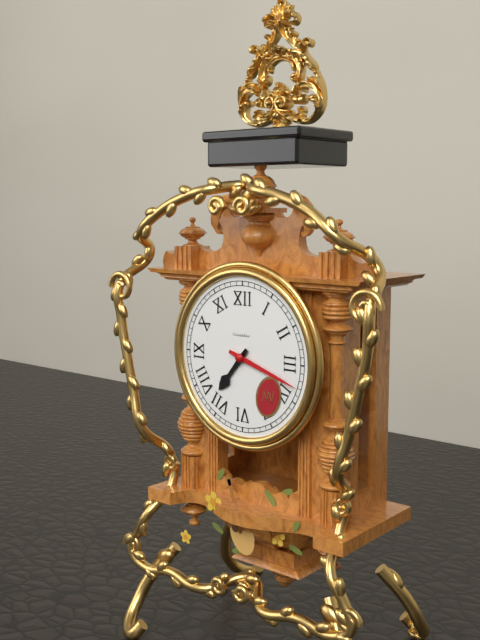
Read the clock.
7:18
